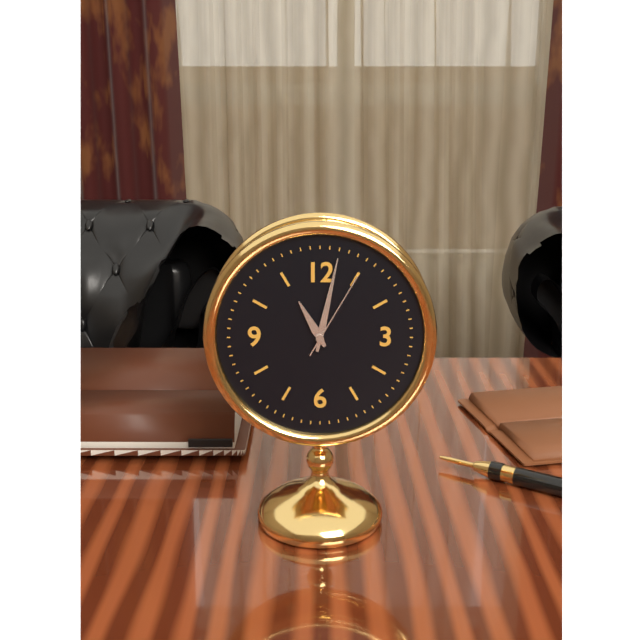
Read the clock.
11:02:05
